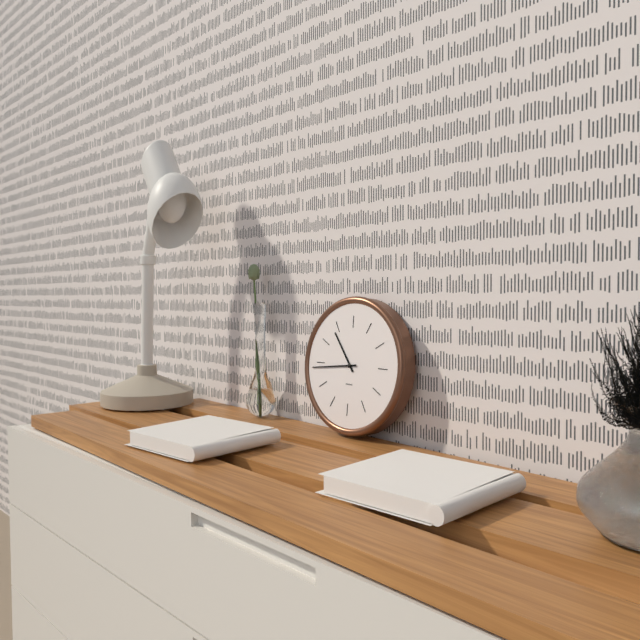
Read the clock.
10:44
